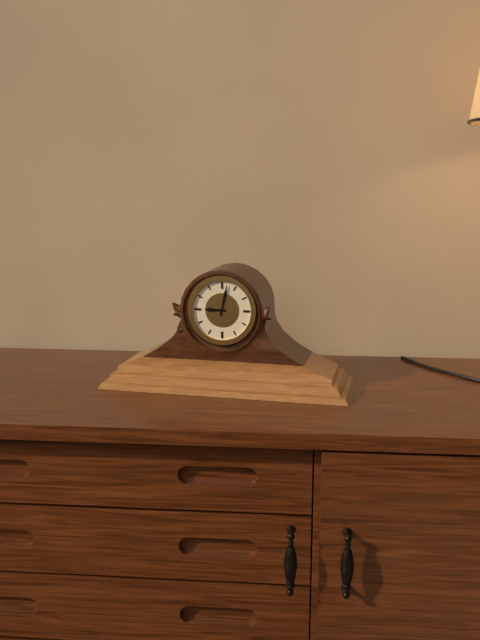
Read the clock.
9:02
